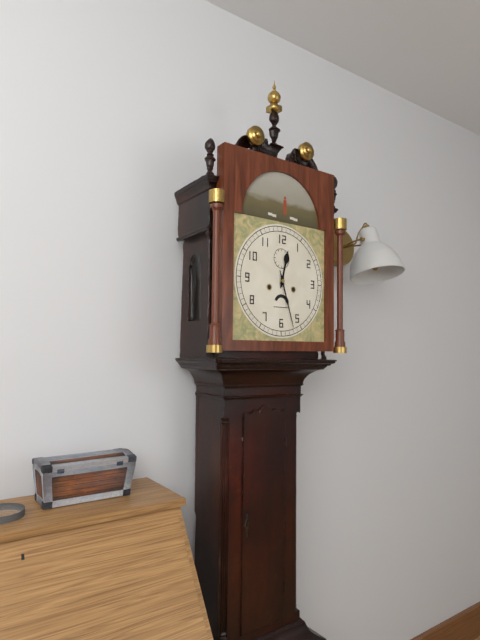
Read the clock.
12:27
